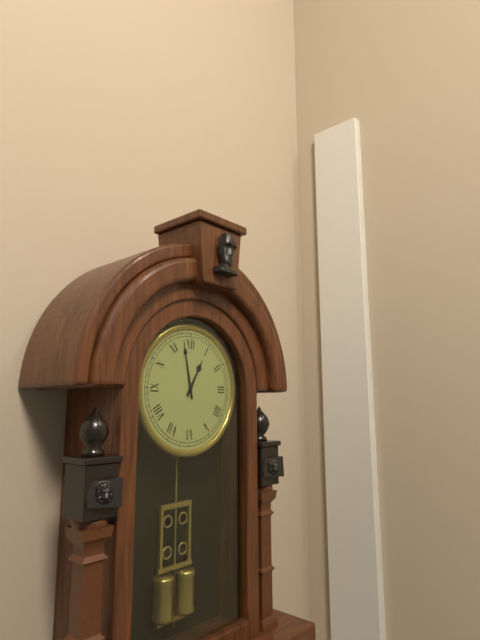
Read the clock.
12:58
